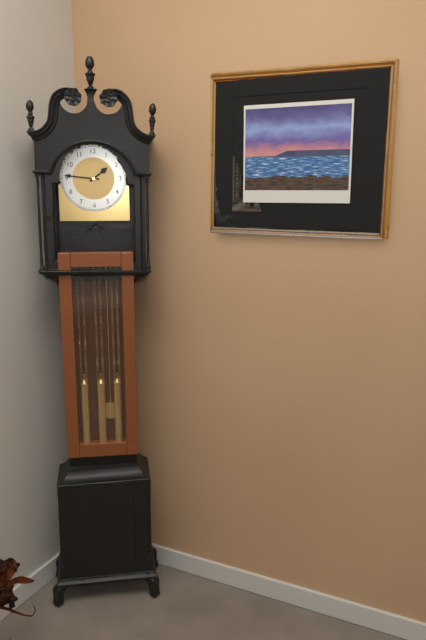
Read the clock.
1:46
